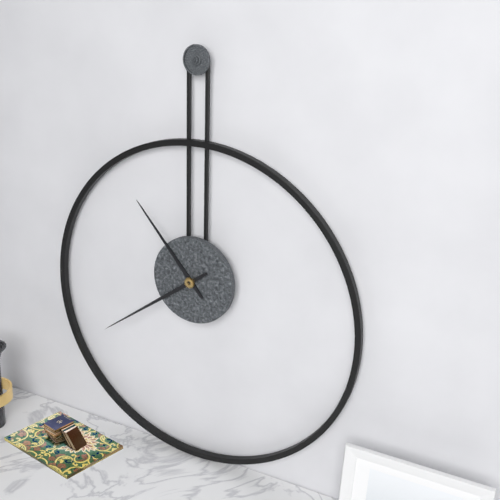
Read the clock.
10:39
